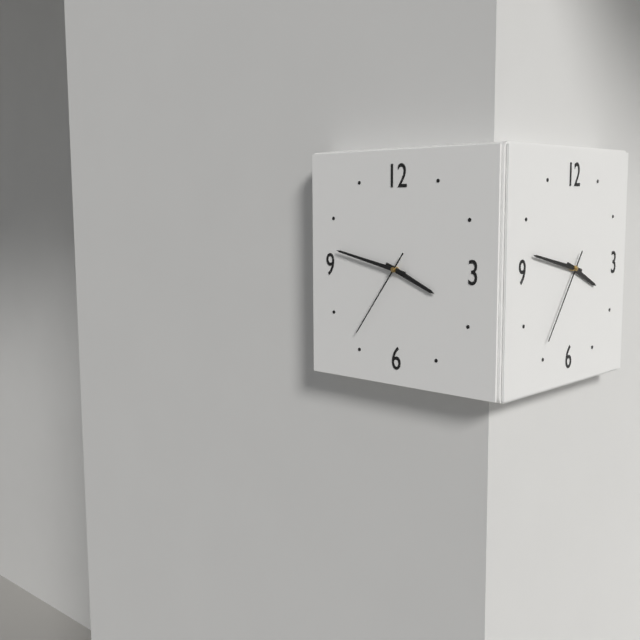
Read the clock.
3:47:36
